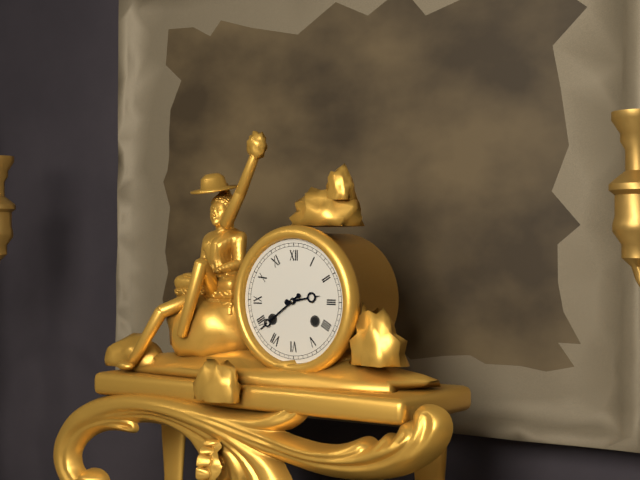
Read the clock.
2:39
